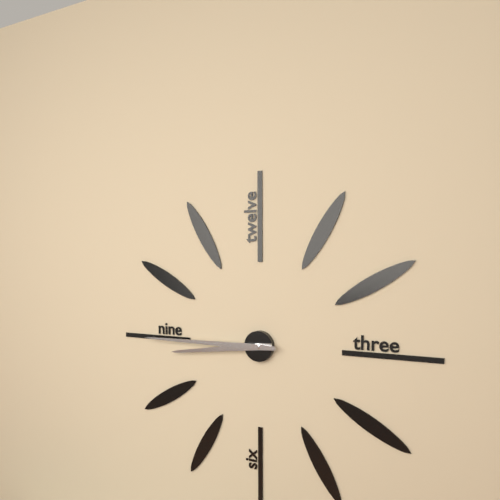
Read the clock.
8:45
